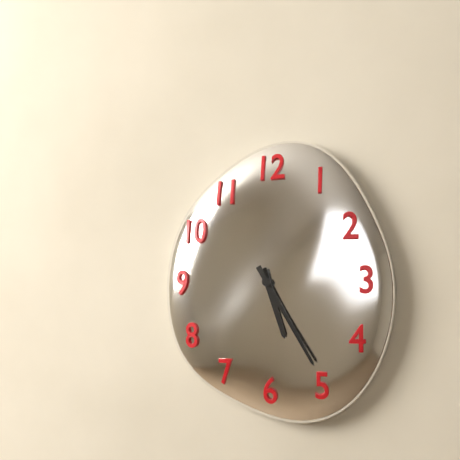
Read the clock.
5:25
